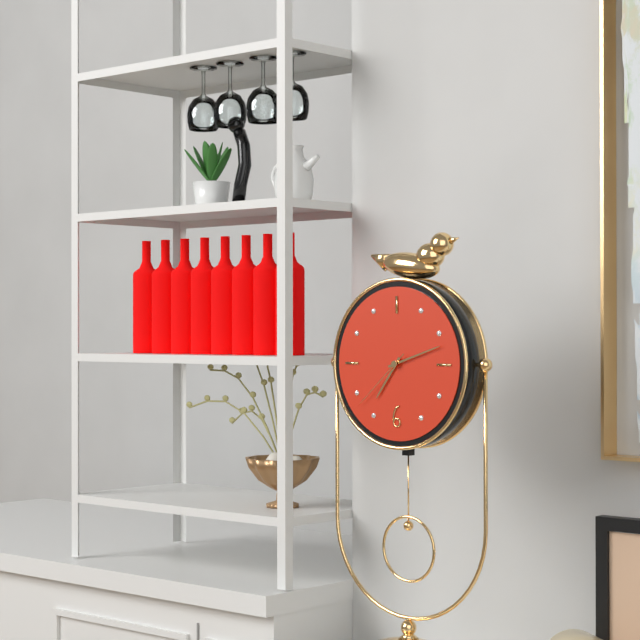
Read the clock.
7:12:38
